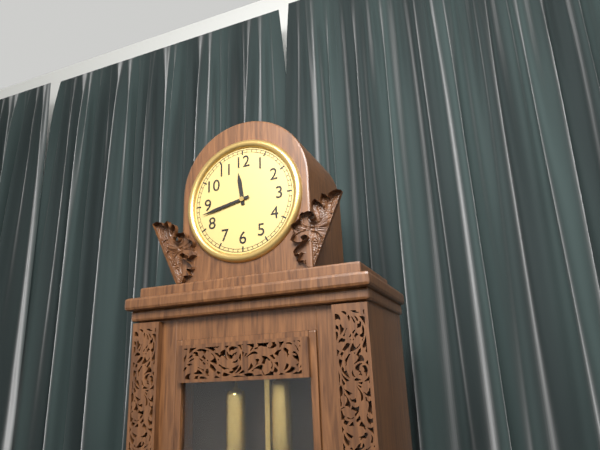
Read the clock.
11:43
